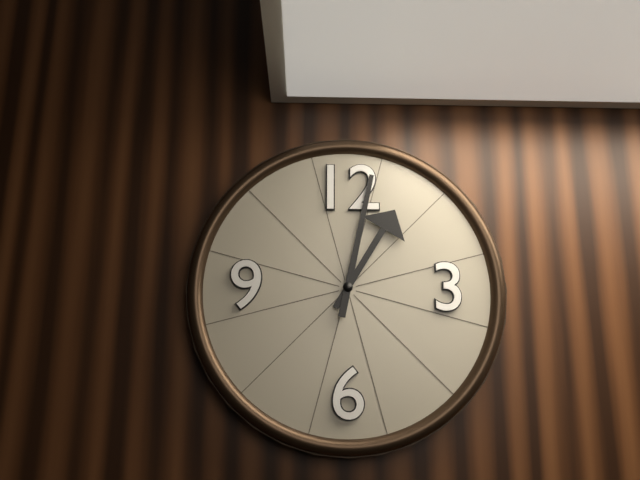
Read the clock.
1:02
